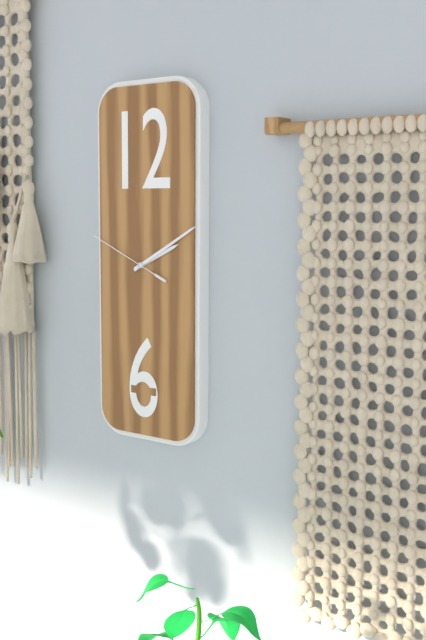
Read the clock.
2:10:49
